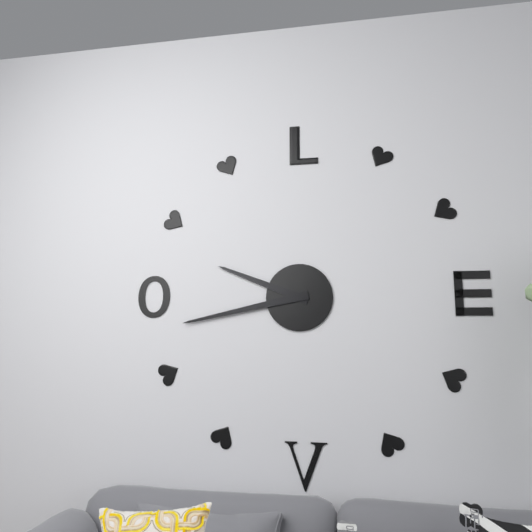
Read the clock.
9:43
